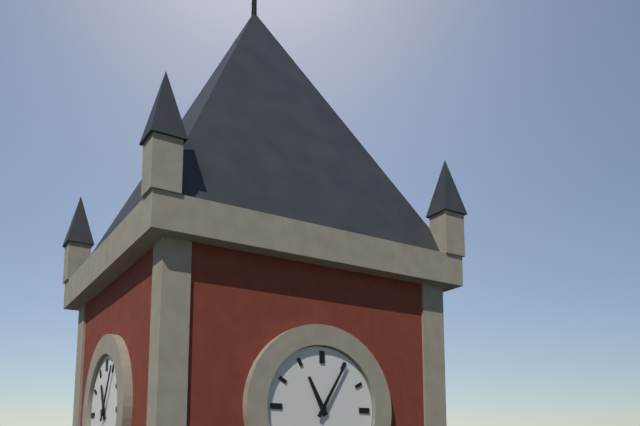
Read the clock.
11:05
